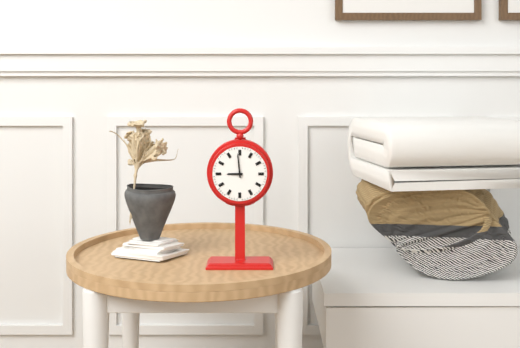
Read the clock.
8:59
